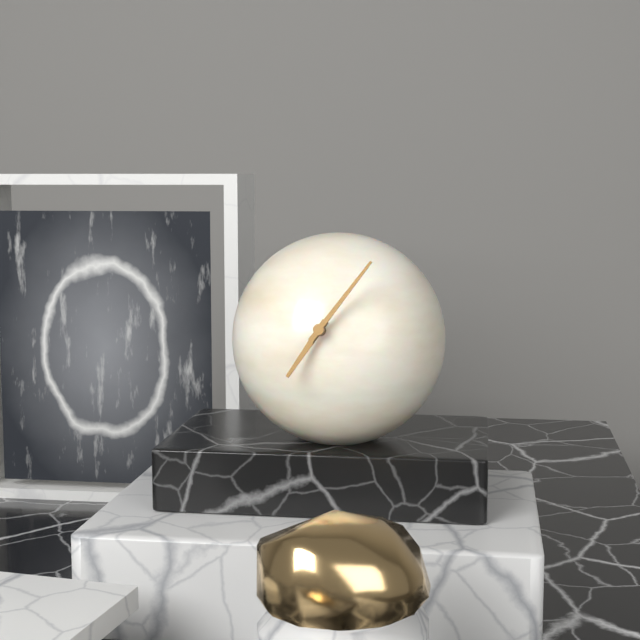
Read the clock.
7:06
